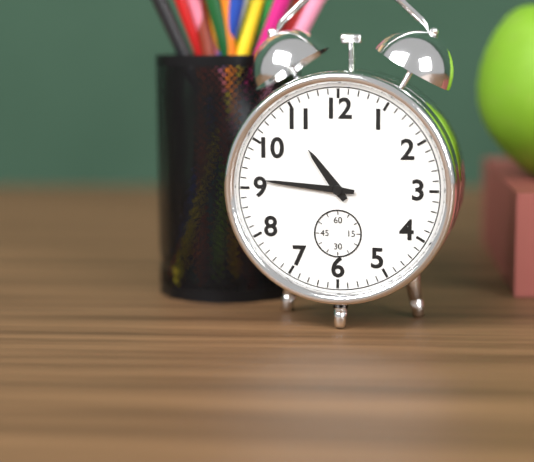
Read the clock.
10:46
